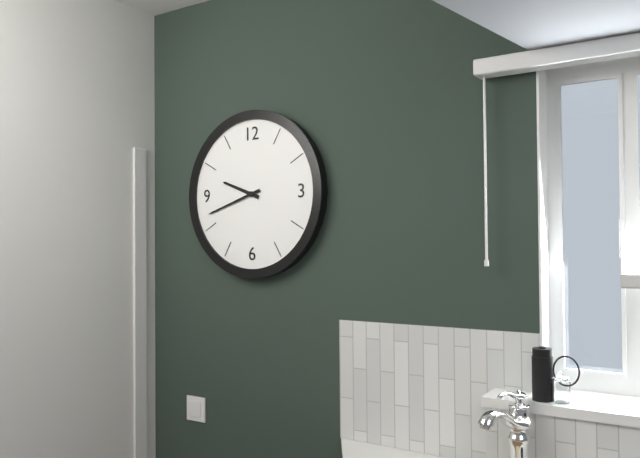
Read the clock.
9:42
